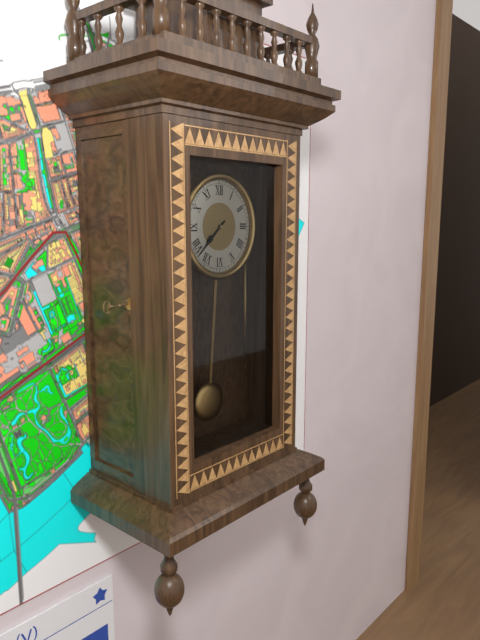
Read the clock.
7:38
